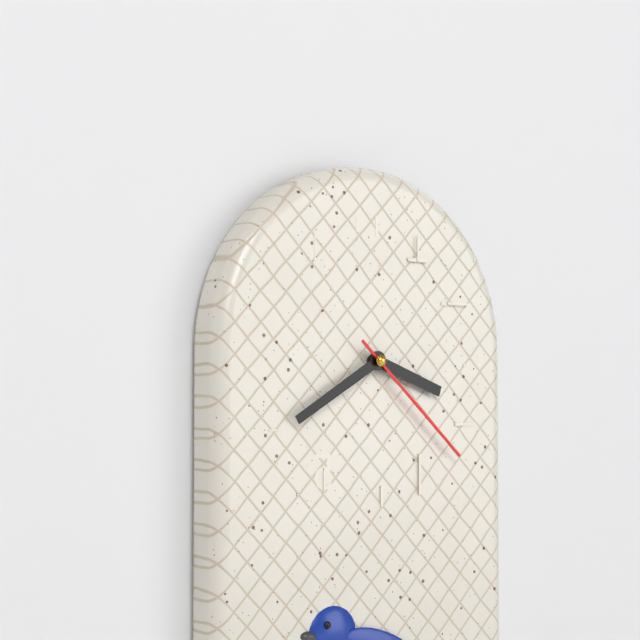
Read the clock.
3:40:22
